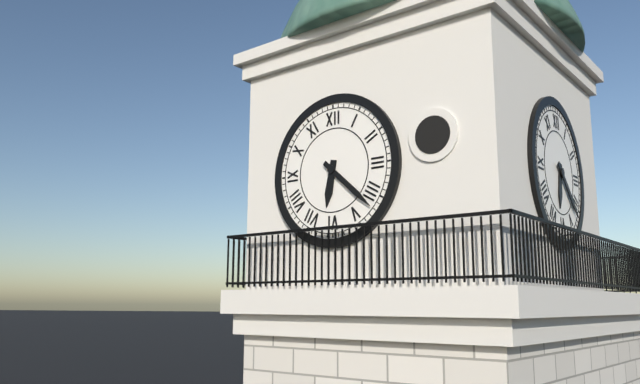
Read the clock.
6:22
